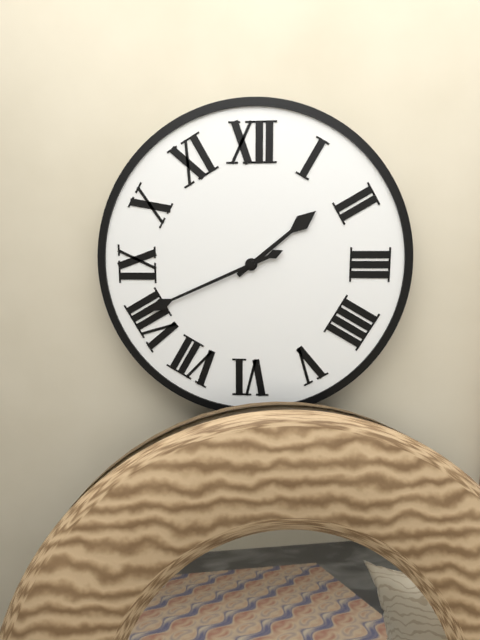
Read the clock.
1:41
